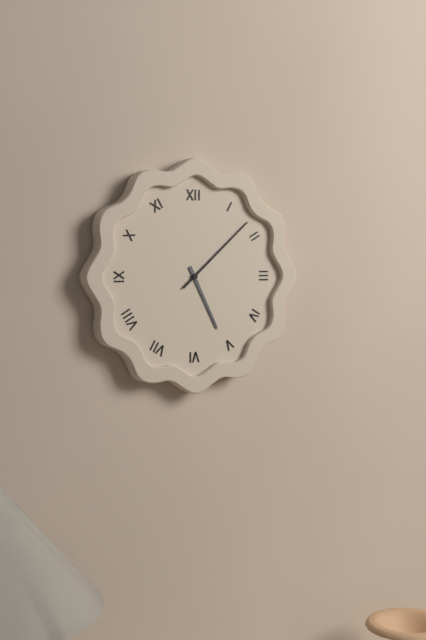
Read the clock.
5:08
